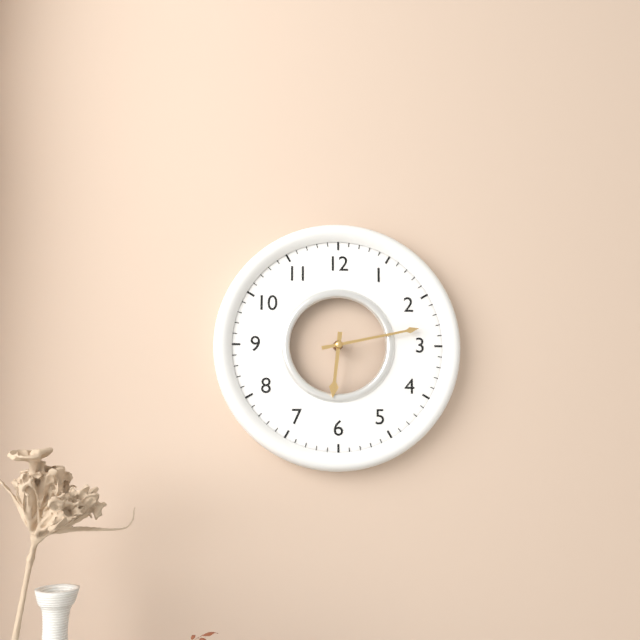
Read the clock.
6:13
